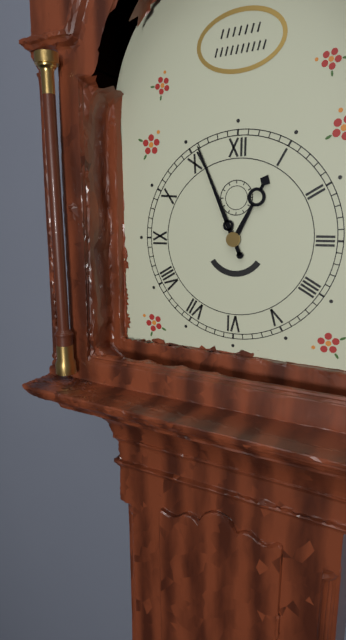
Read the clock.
12:56
